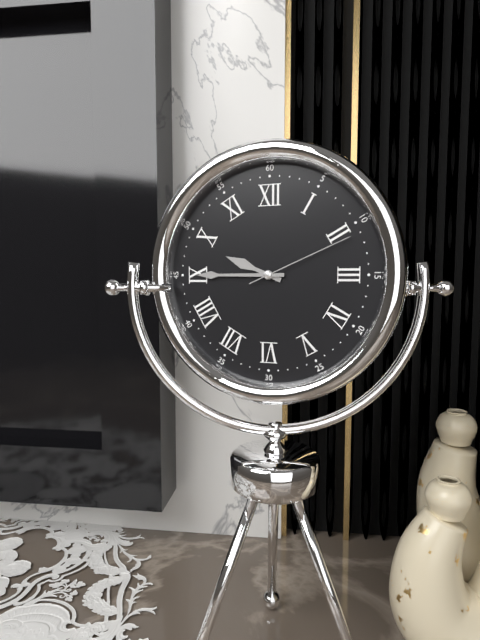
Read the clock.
9:45:11
